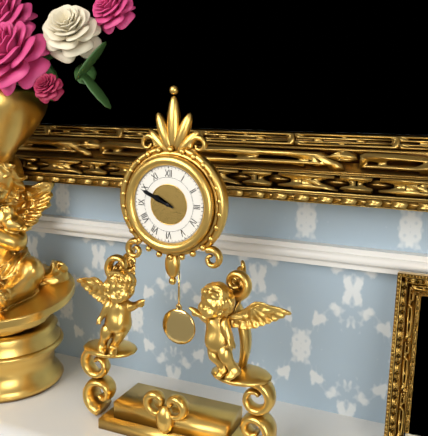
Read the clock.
9:49
